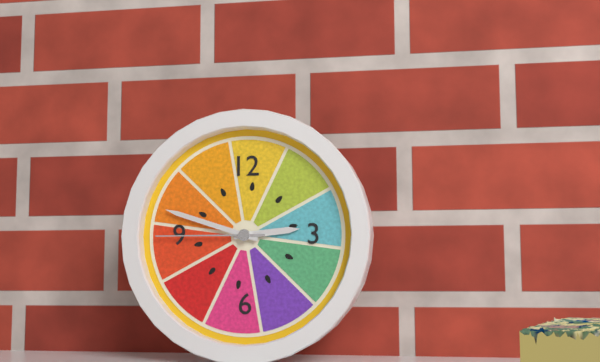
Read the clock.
2:48:45
